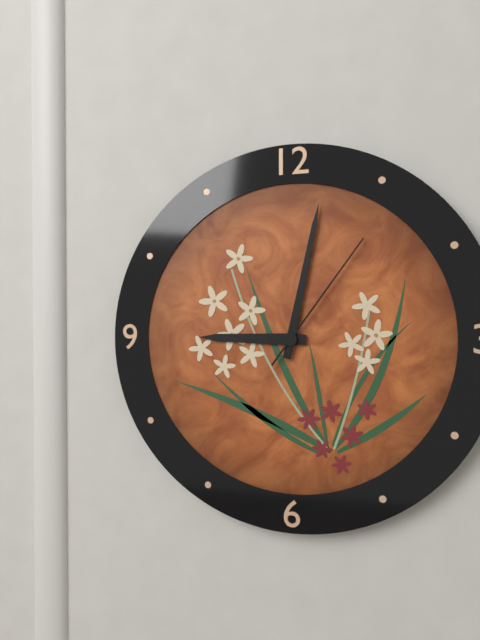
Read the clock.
9:02:06
